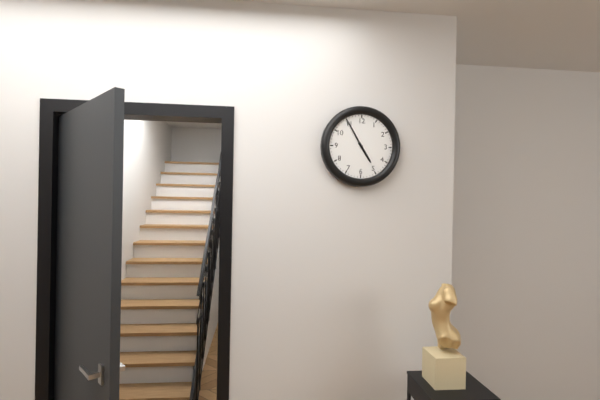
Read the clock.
4:55
